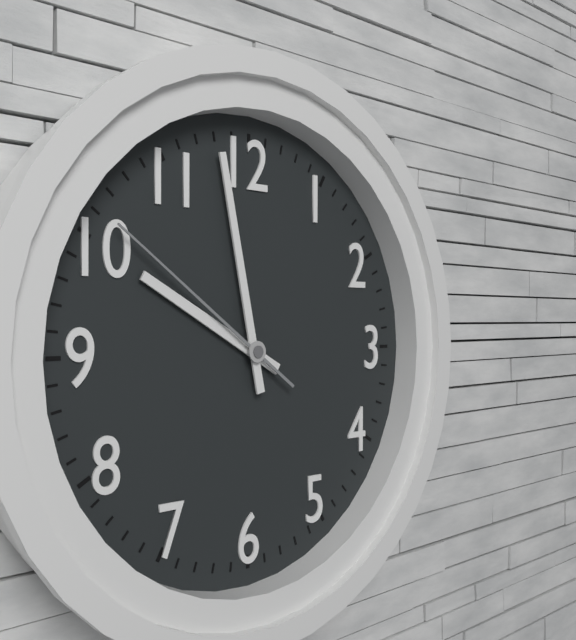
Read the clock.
9:58:51
